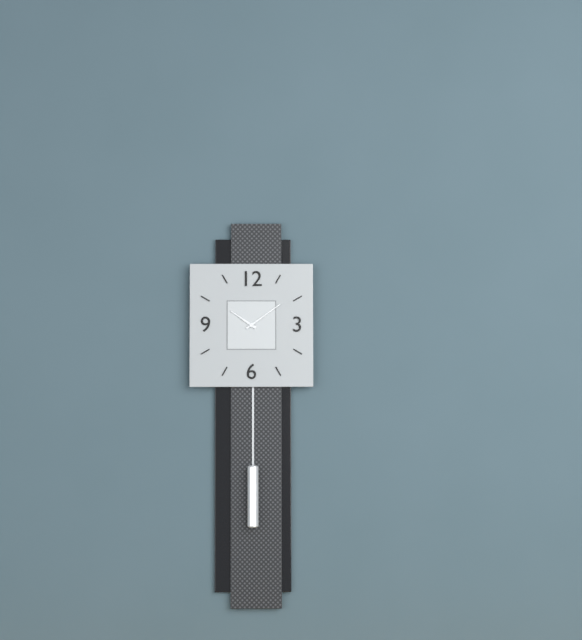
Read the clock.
10:09
